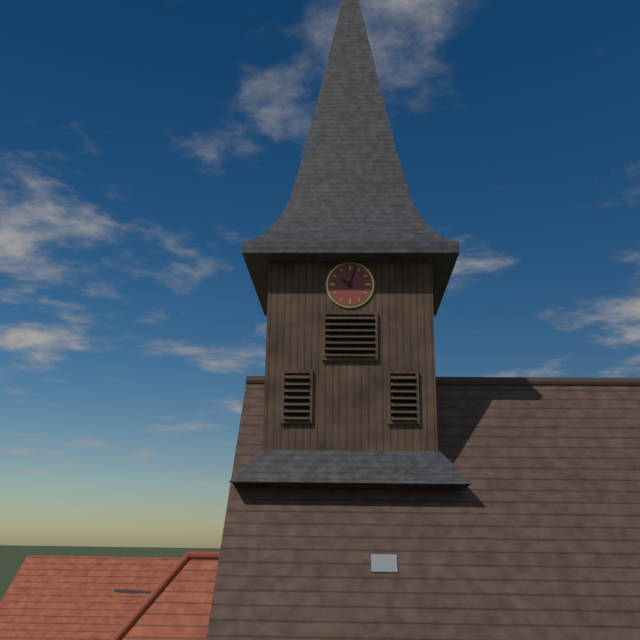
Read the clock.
10:03
